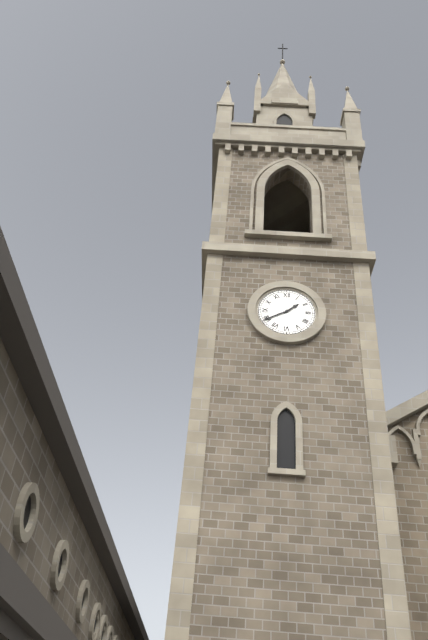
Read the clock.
1:40
